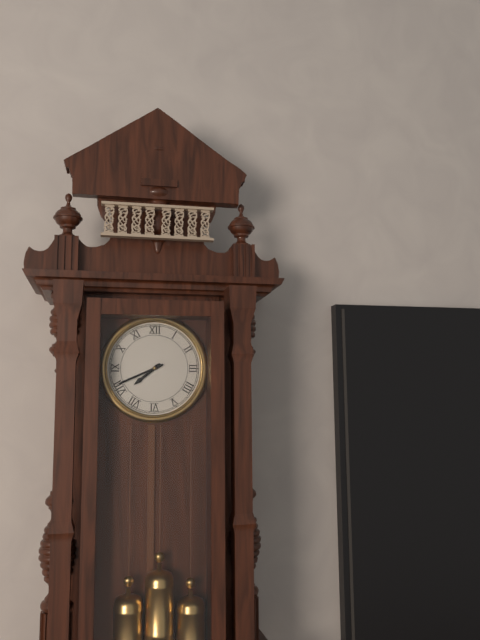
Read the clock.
7:41
